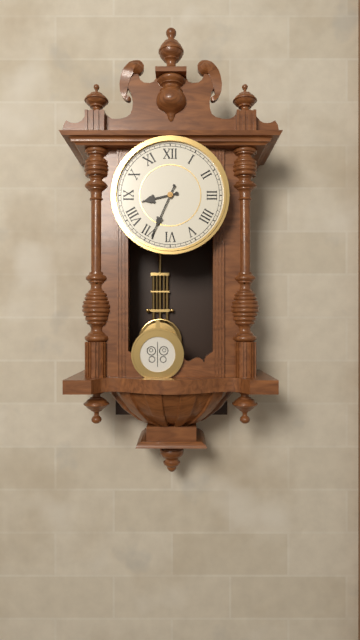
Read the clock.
8:34
